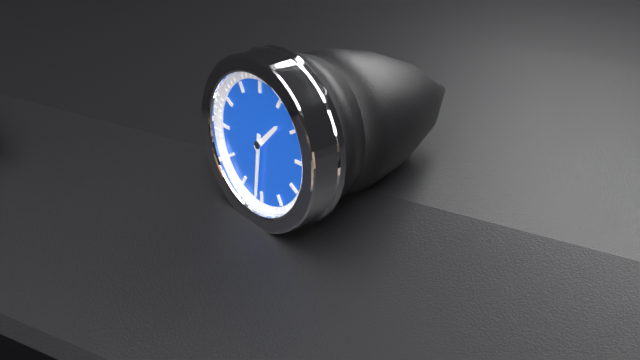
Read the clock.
1:31
